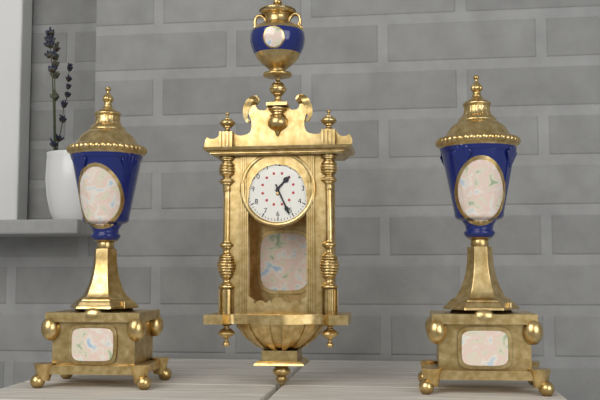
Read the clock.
1:26
